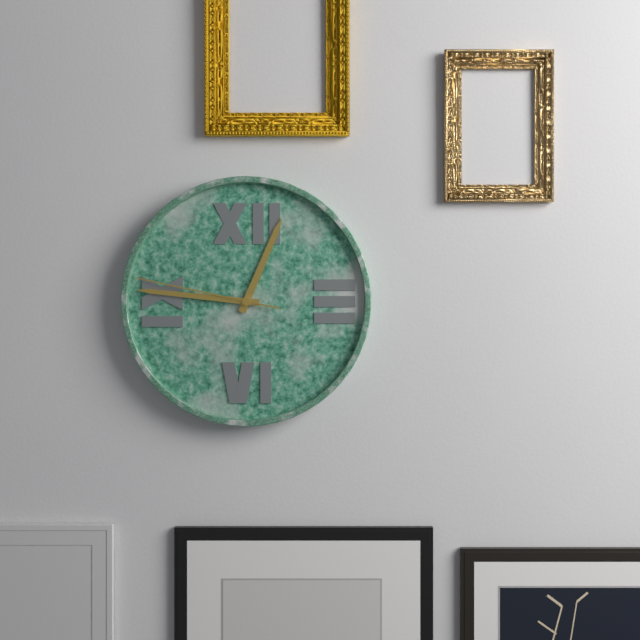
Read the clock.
12:46:47
